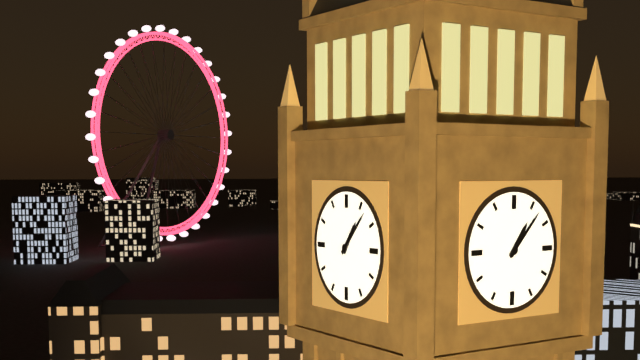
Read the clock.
1:07
